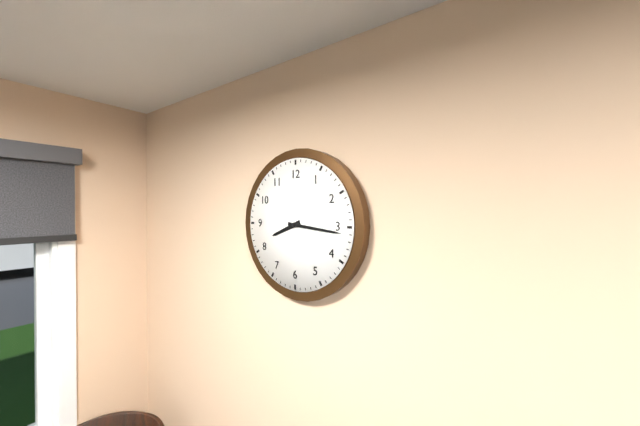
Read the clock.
8:16
